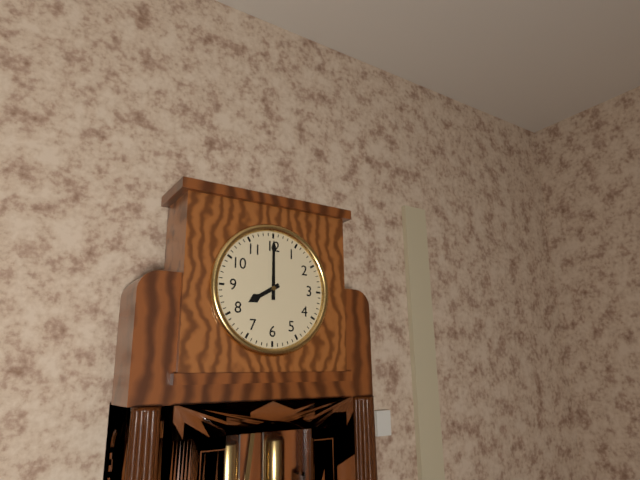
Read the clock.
8:00
